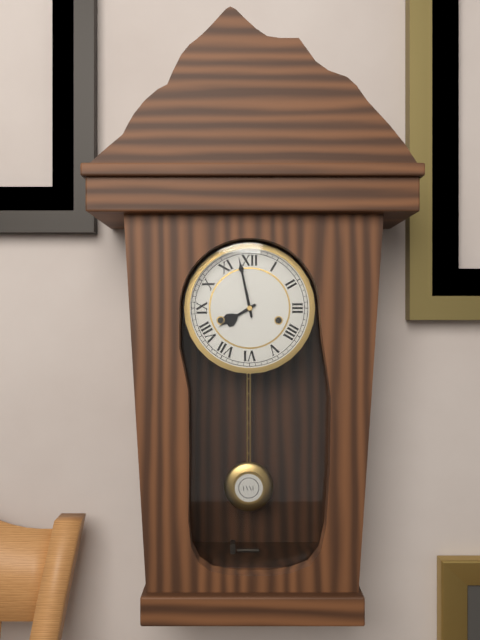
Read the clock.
7:58
